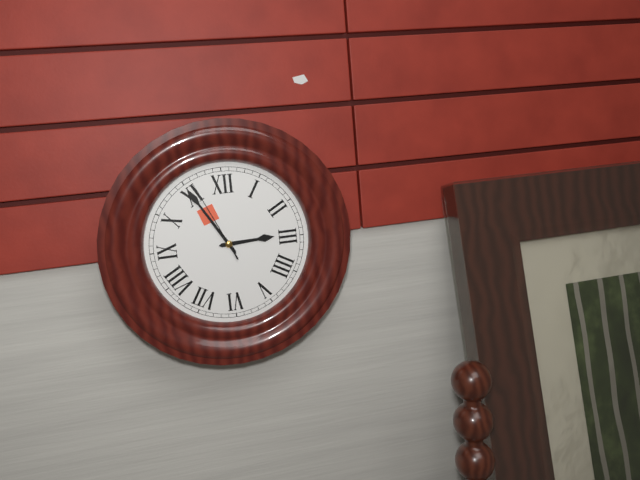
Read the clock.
2:55:56
